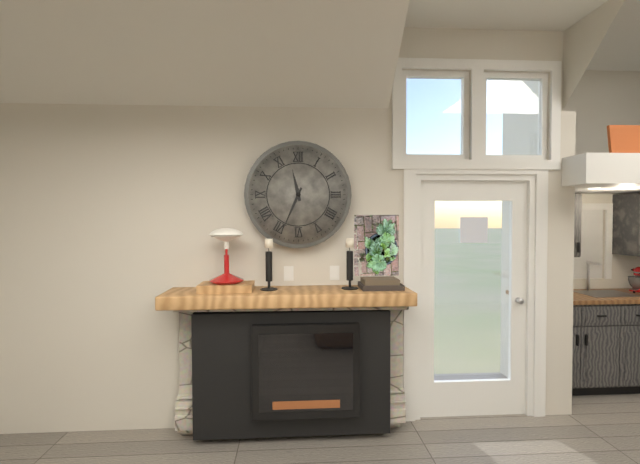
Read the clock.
11:34
